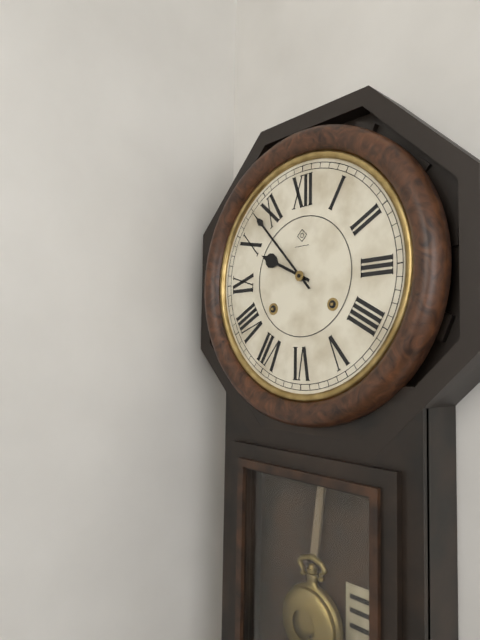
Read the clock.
9:53
